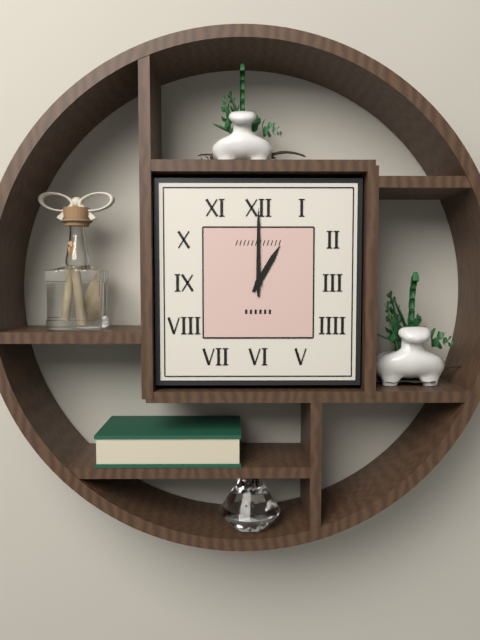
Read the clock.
1:00
